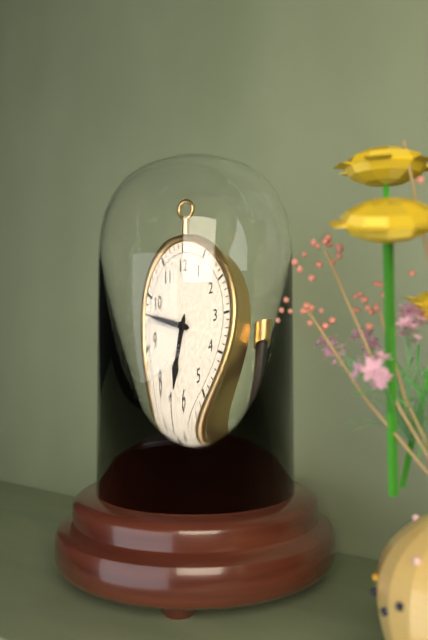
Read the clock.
6:48
